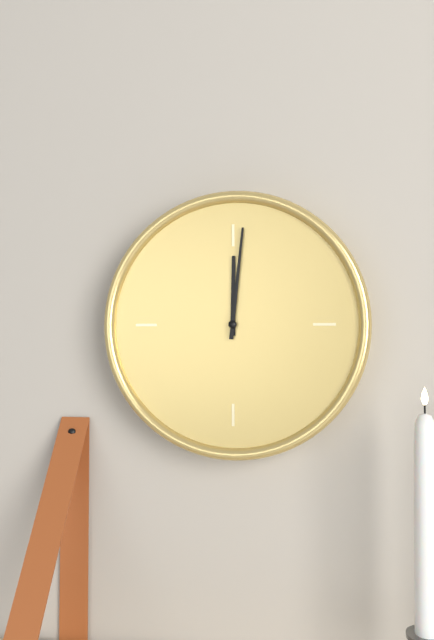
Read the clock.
12:01
